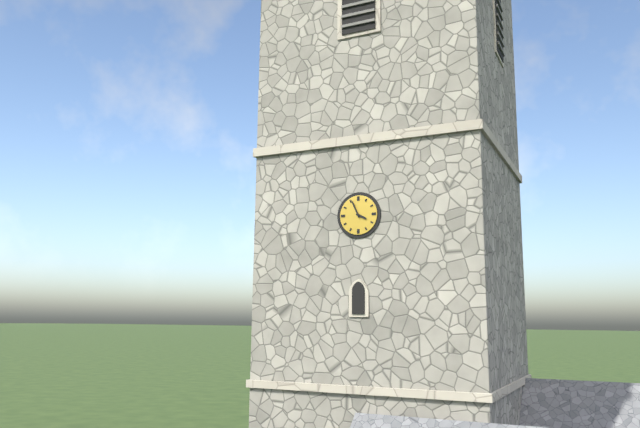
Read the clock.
3:56
